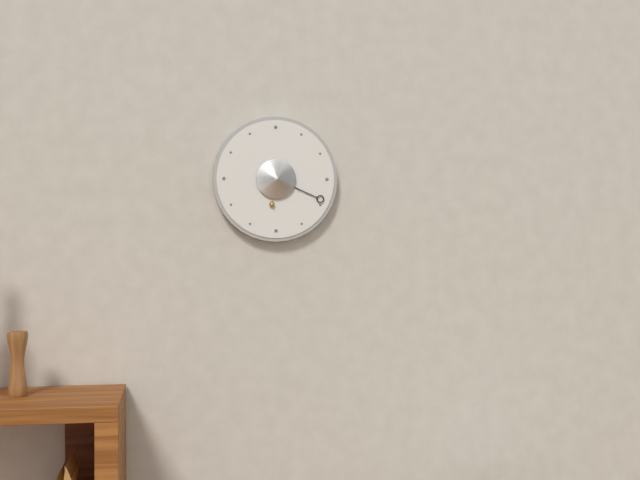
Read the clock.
6:19
